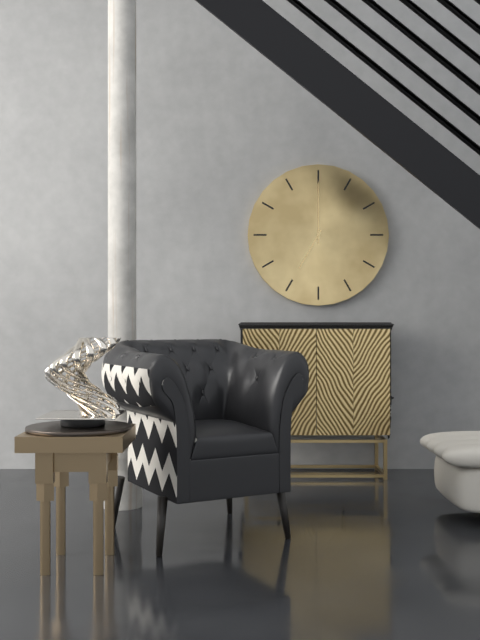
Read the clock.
7:00
